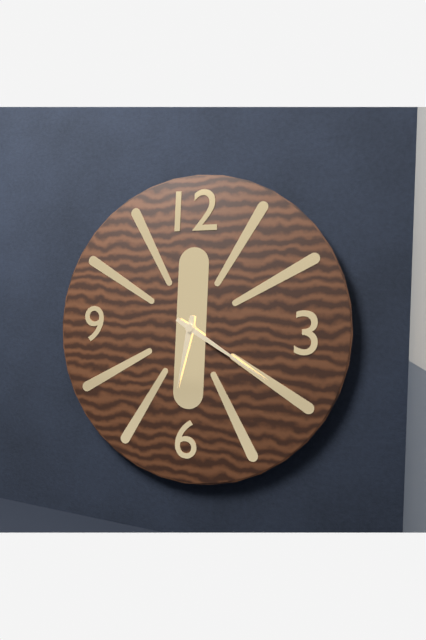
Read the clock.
6:20
